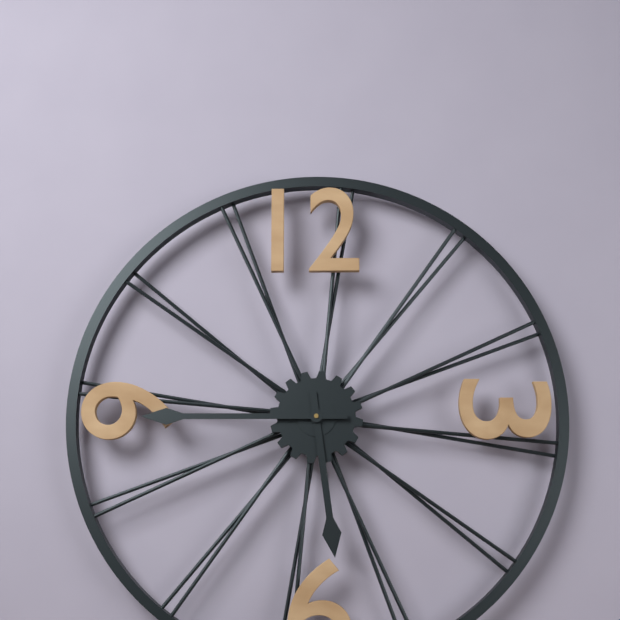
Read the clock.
5:45
